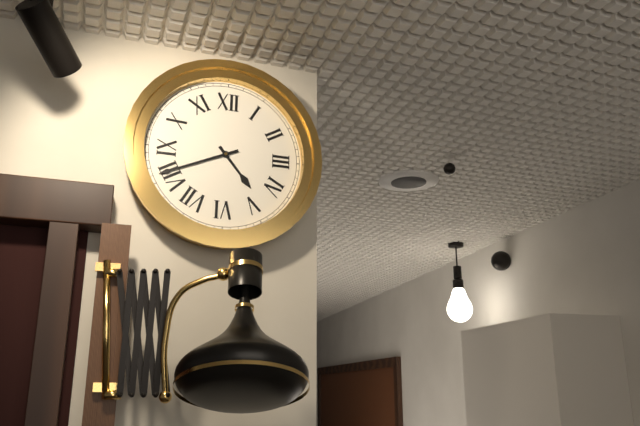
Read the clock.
4:41
